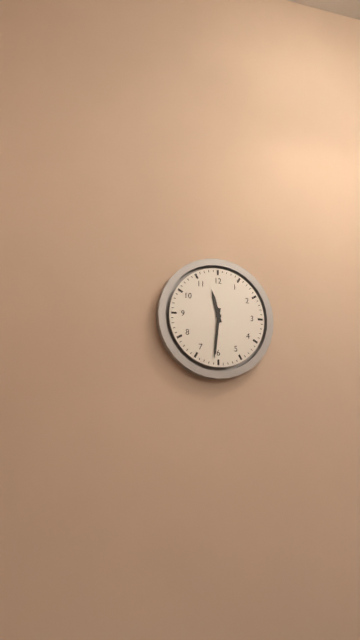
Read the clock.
11:31
